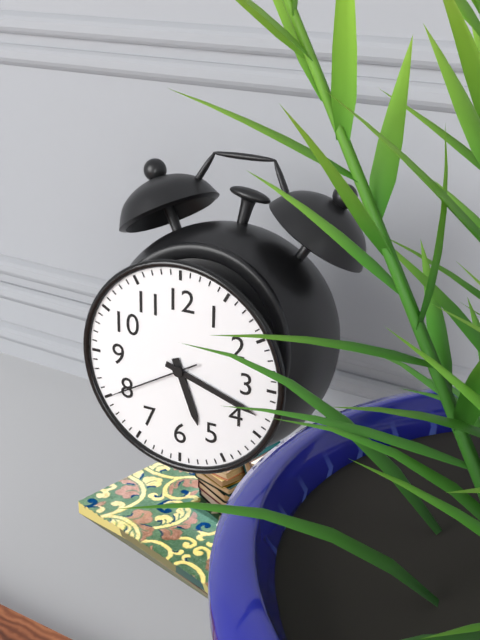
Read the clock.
5:18:40
